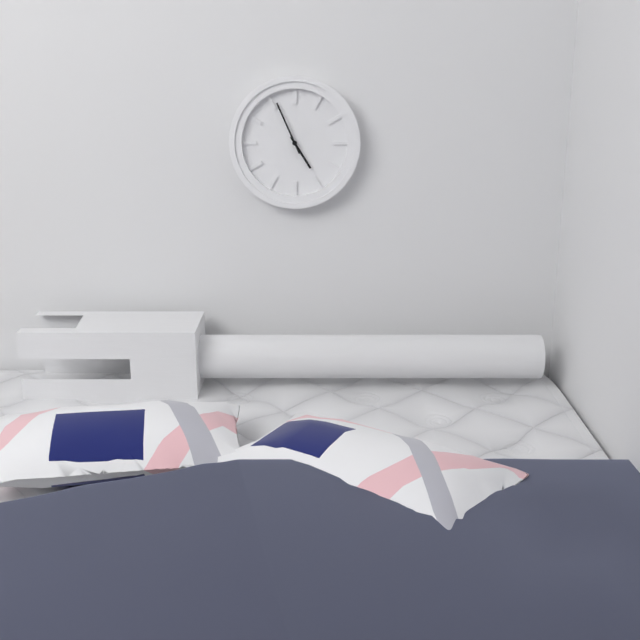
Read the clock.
4:56
